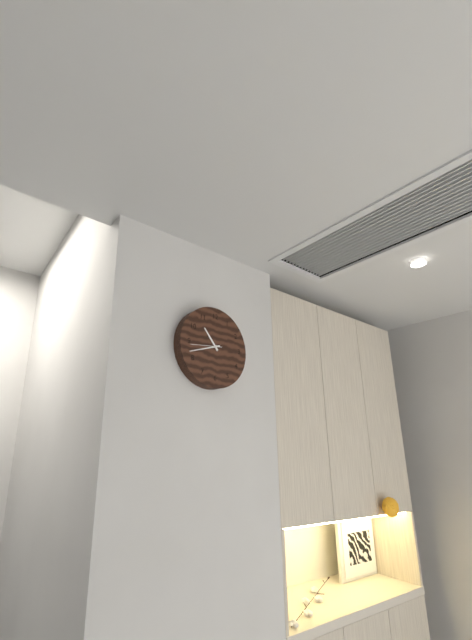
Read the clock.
10:42
